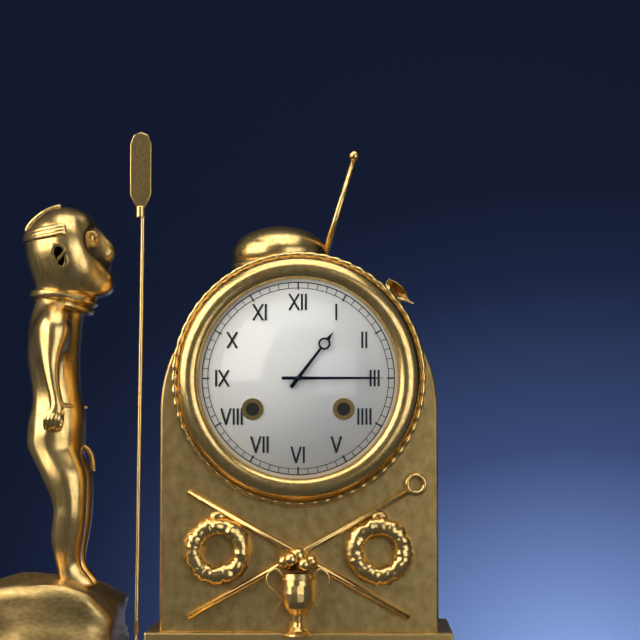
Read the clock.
1:15
